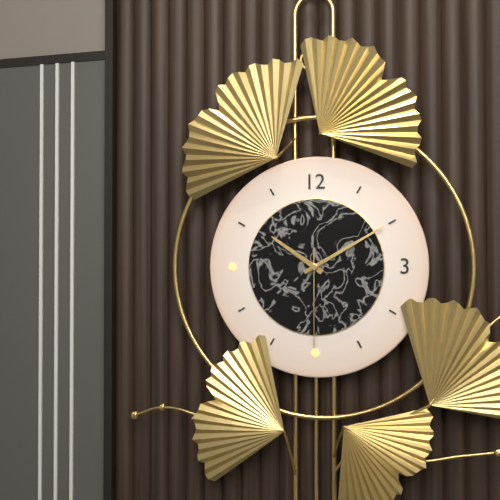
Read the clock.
10:10:30
